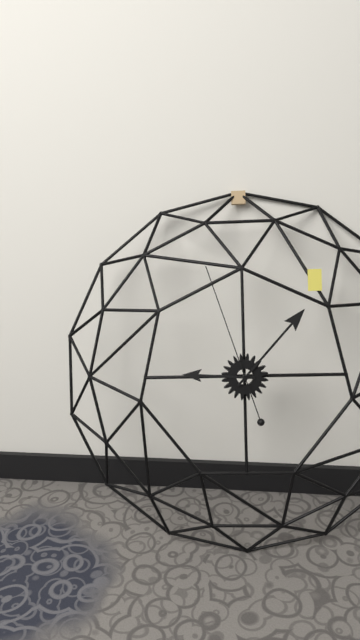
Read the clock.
9:07:57
